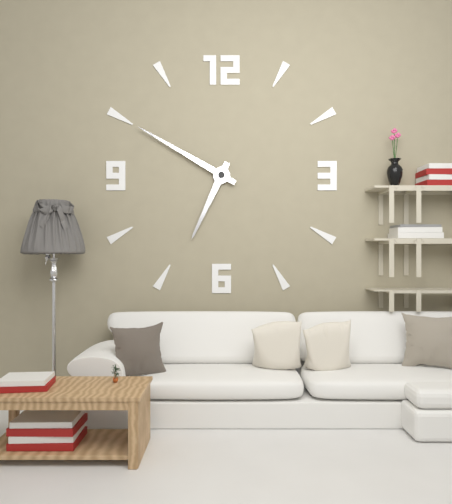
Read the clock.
6:50
